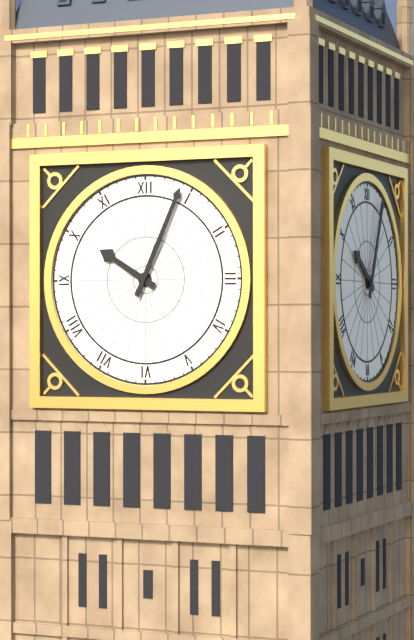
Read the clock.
10:04
